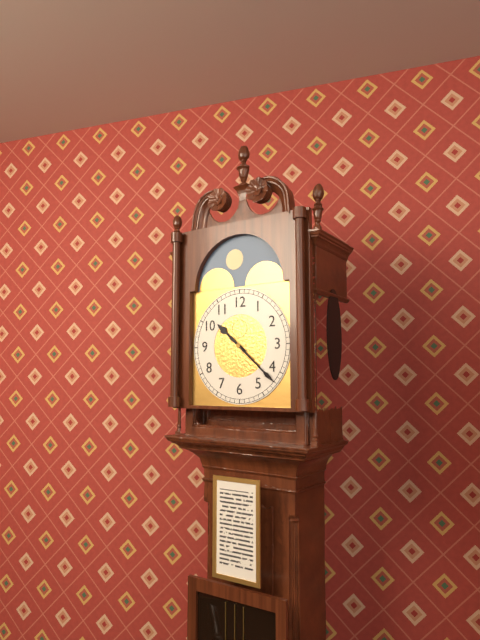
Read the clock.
10:22
